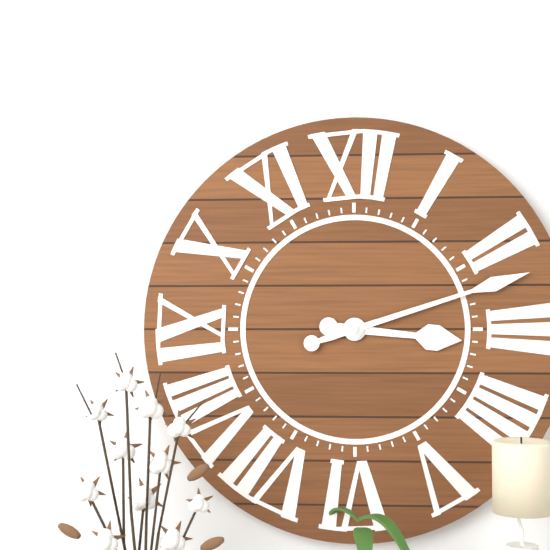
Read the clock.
3:12
